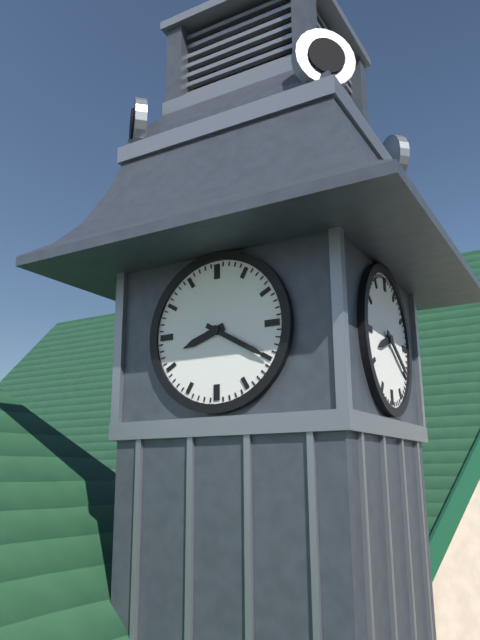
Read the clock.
8:20
